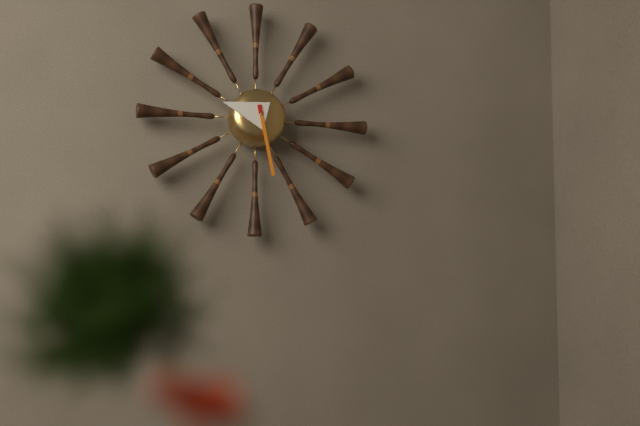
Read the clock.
9:28
